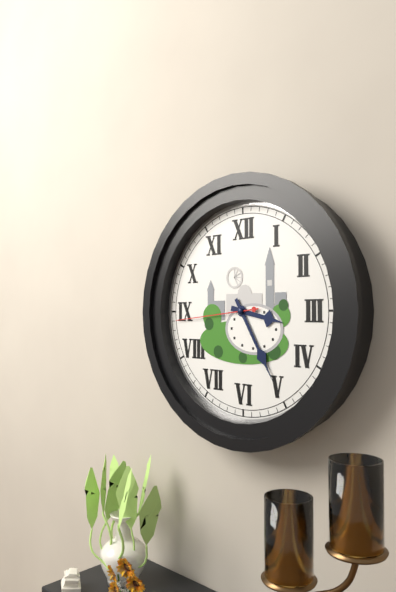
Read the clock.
3:25:44
